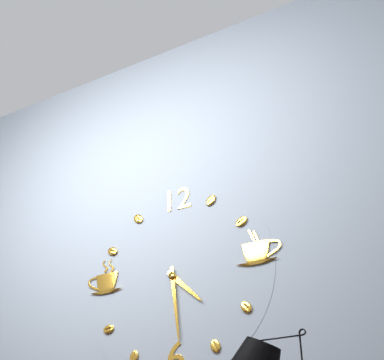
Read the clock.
4:29
